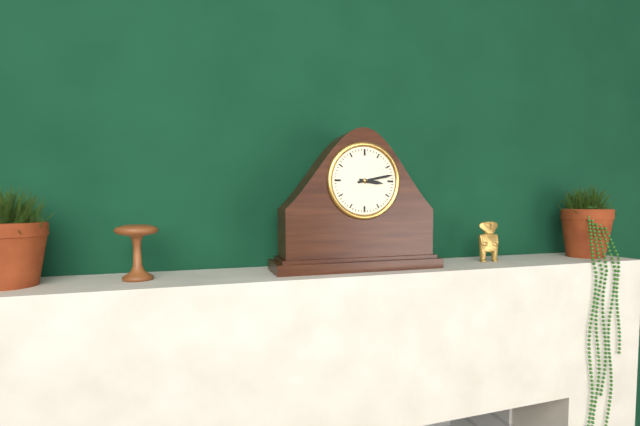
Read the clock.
3:13
